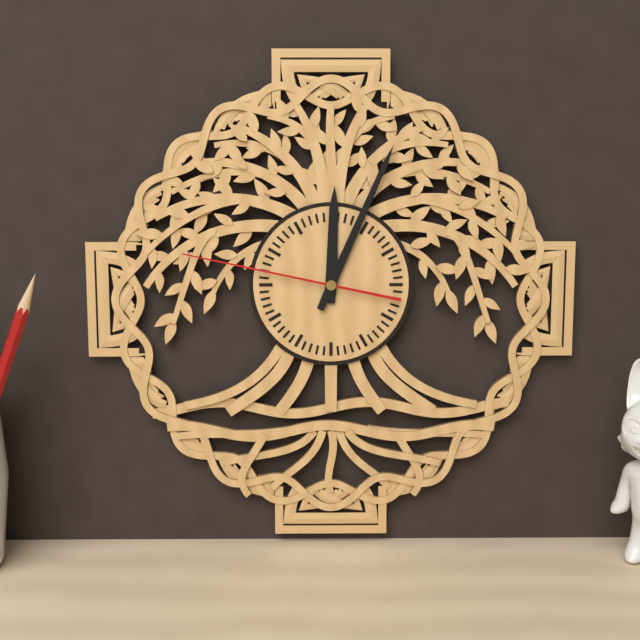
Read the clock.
12:04:47
